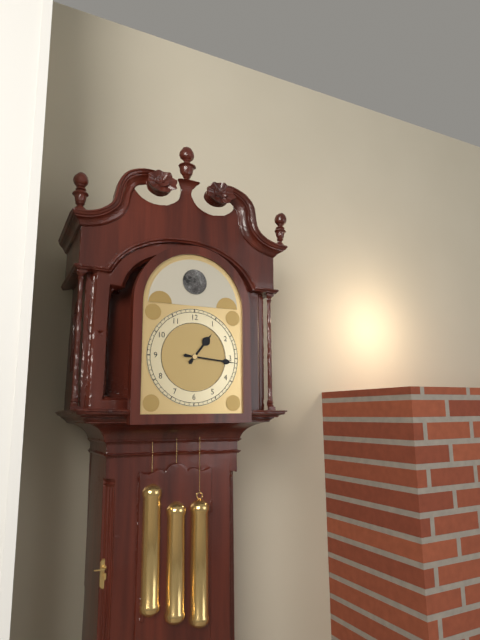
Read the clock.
1:16
